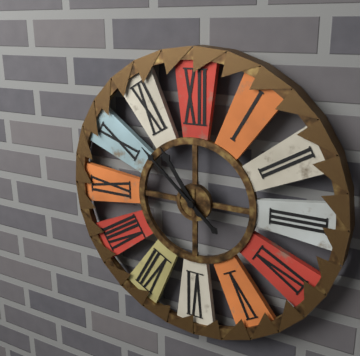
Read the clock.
10:52
